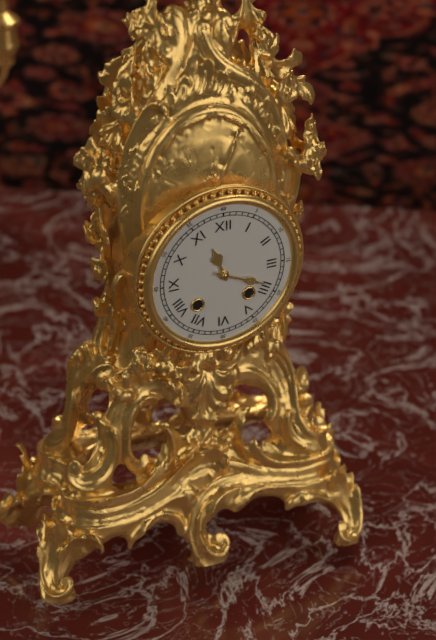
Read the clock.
11:19
